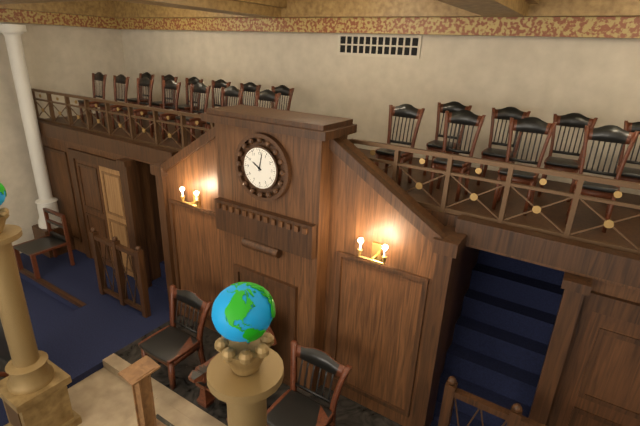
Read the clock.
10:02
